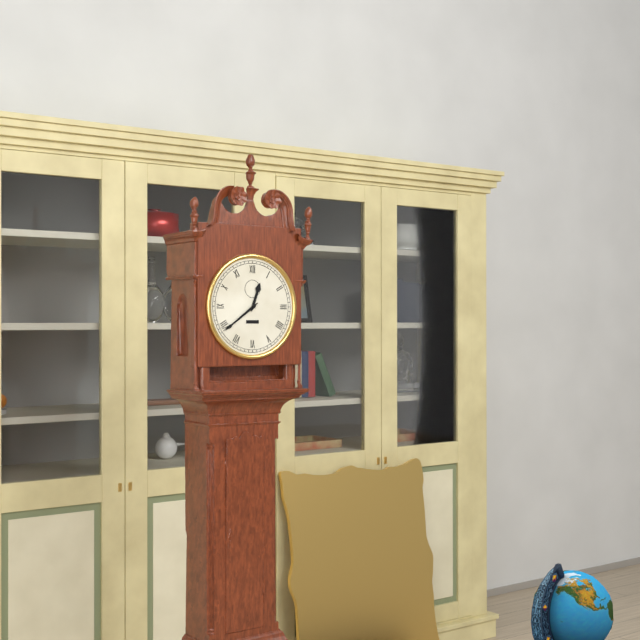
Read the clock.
12:39
